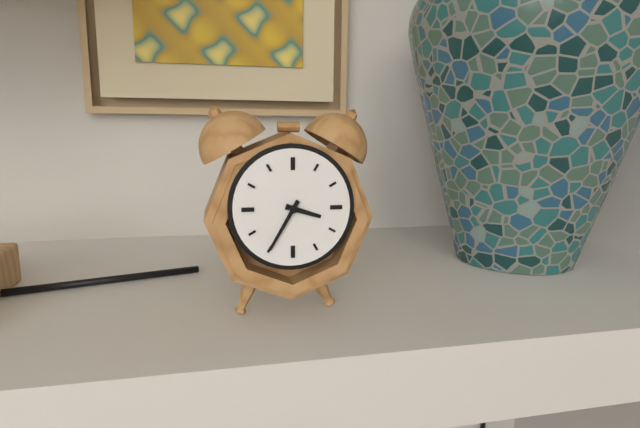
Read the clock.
3:35
